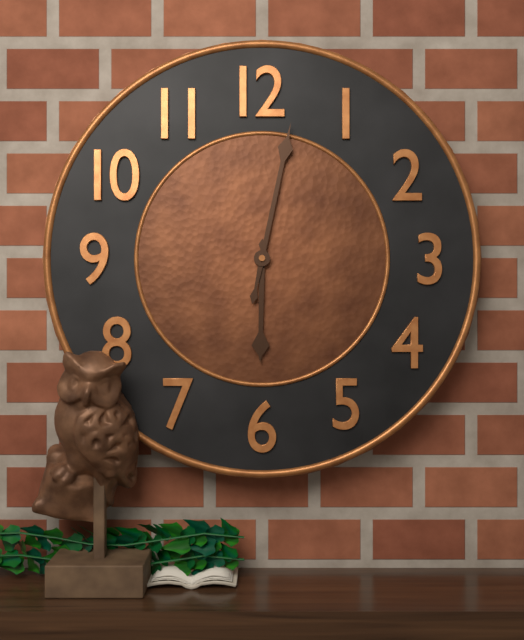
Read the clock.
6:02
